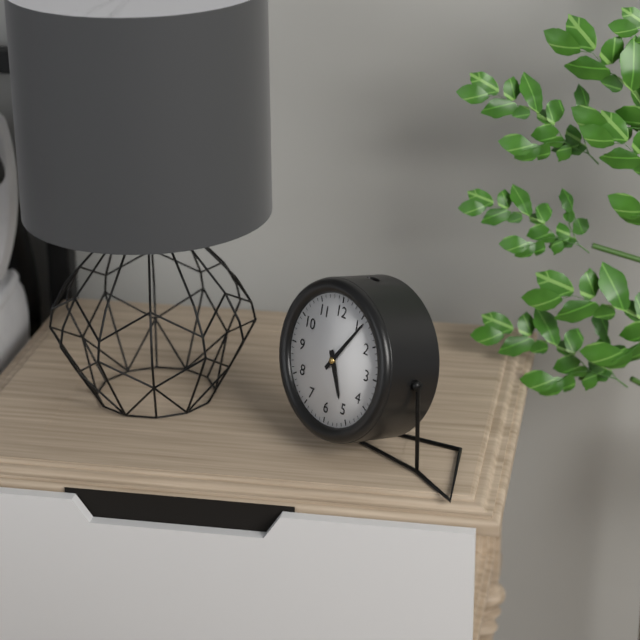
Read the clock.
5:06
